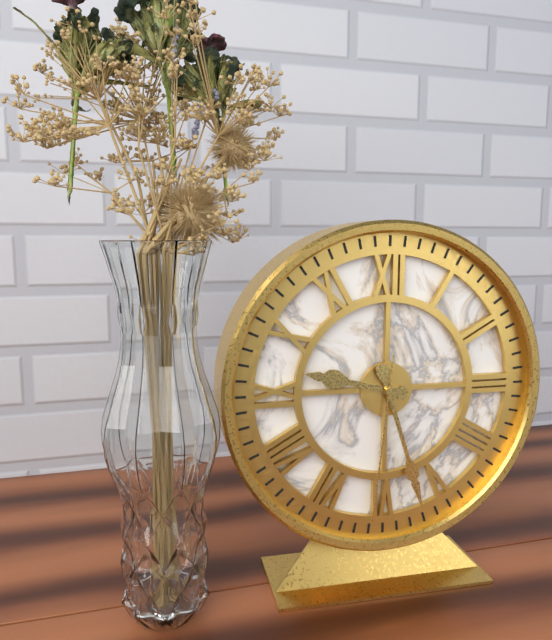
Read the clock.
9:27:31
